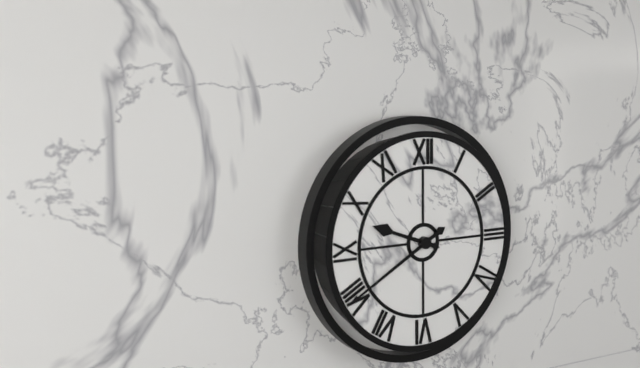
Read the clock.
9:40
